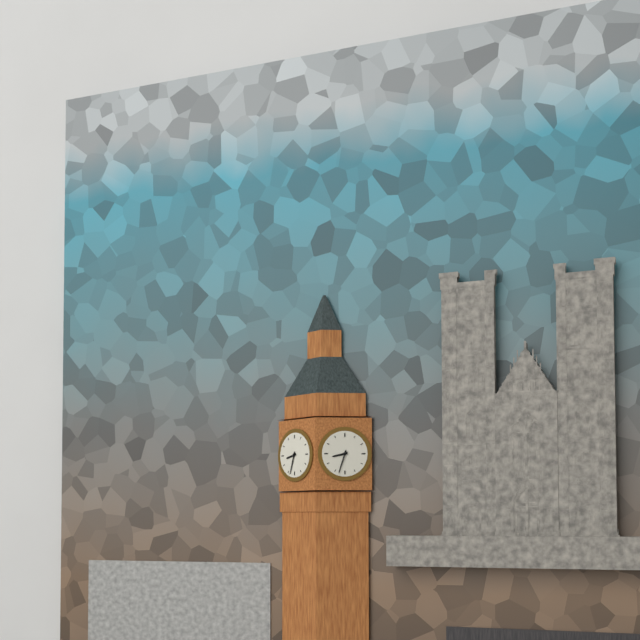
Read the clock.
8:33
